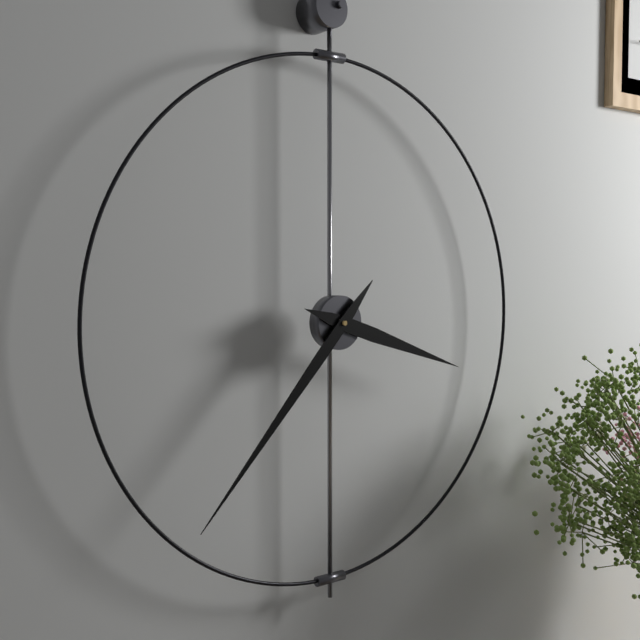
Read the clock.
3:37
